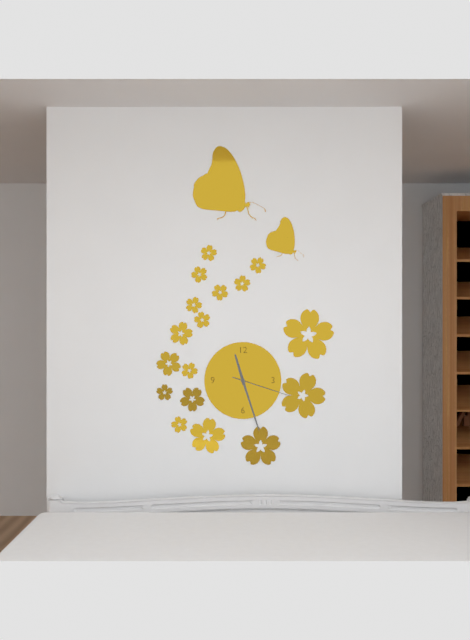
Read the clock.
11:27:18
